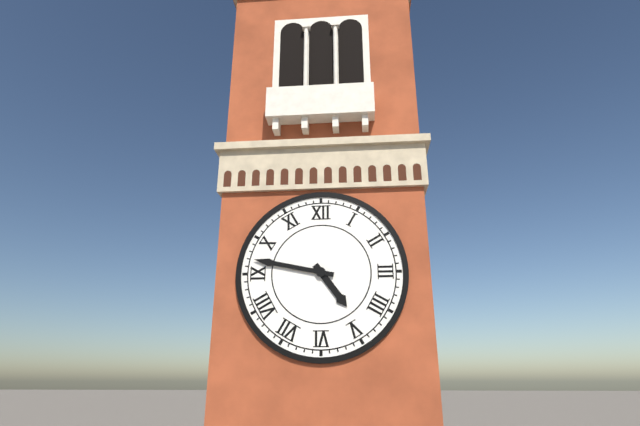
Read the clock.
4:47
